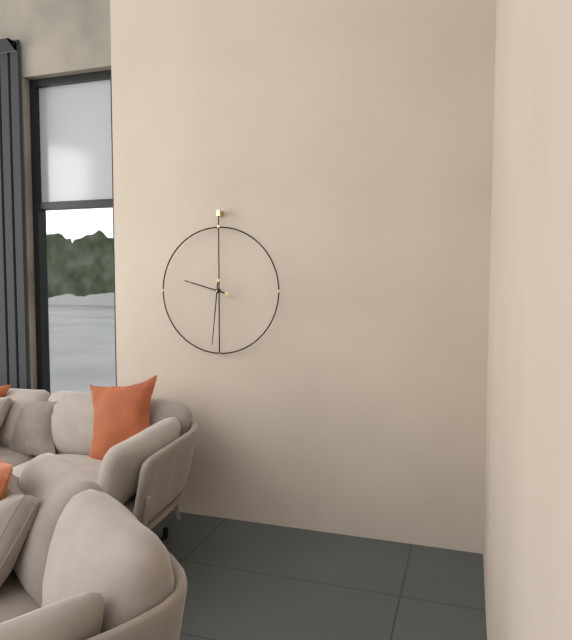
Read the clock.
9:31
